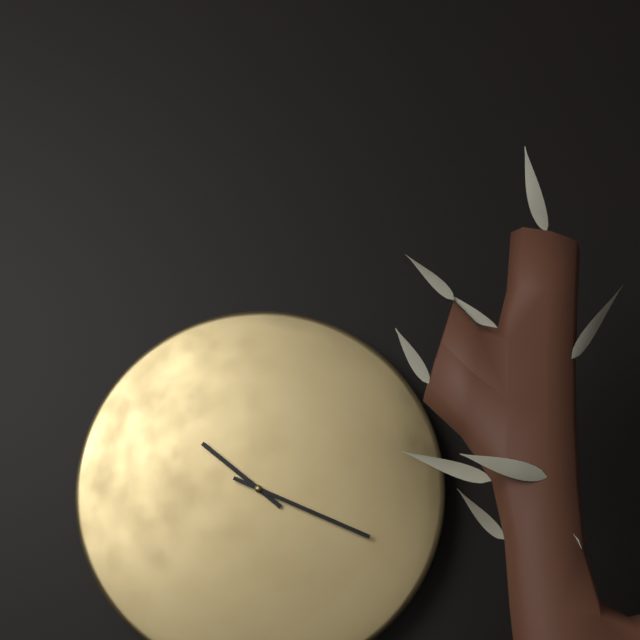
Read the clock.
10:19
